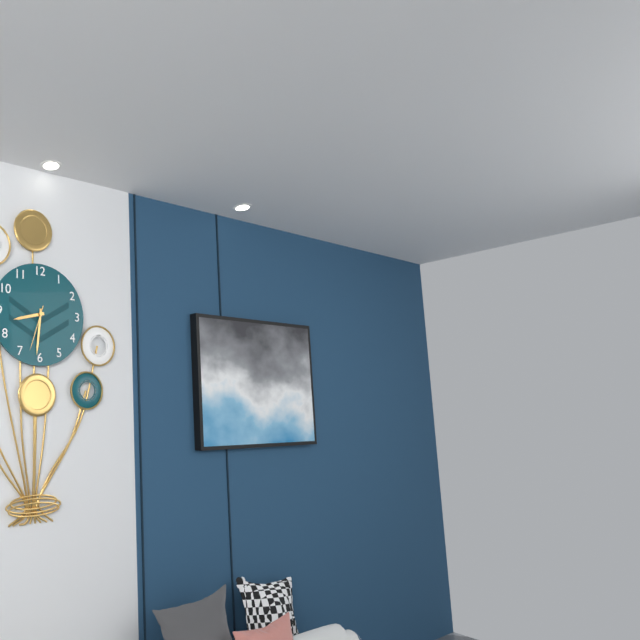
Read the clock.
8:31
